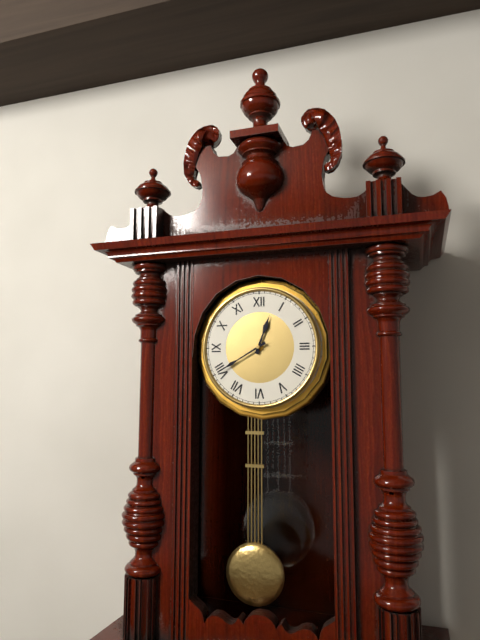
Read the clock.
12:40
